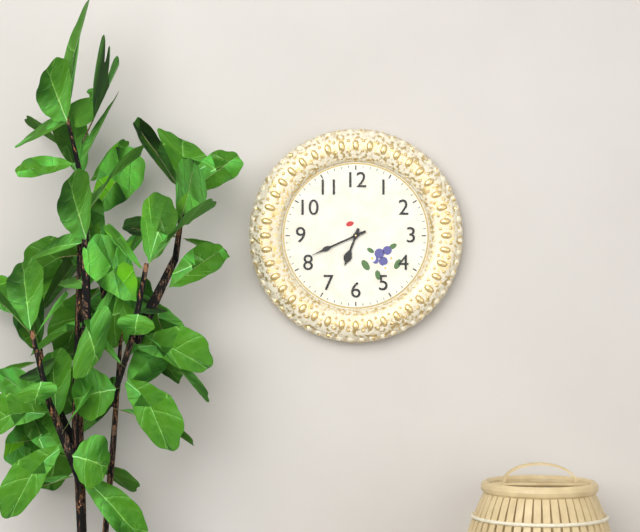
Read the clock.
6:41
